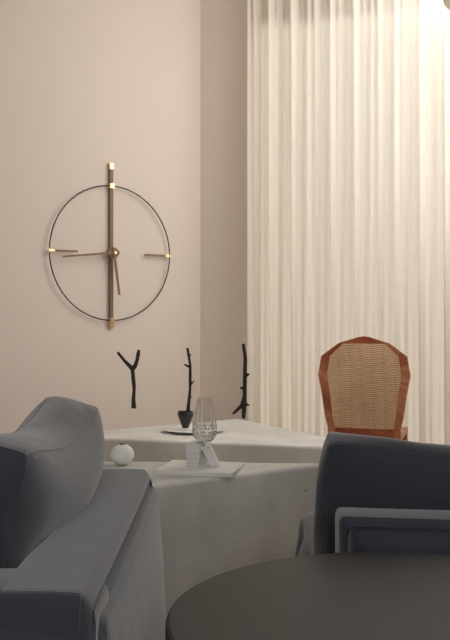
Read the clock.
5:44
